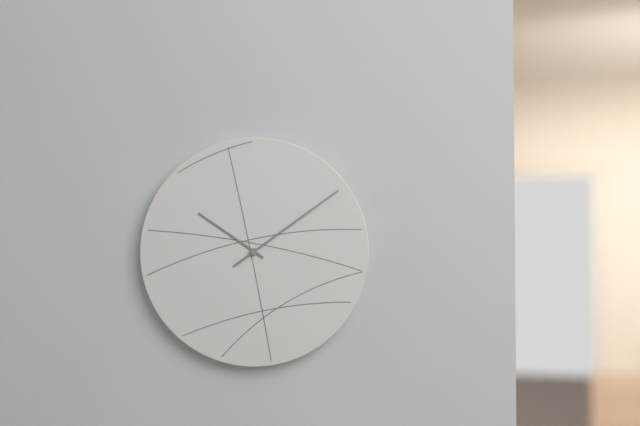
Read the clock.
10:09
